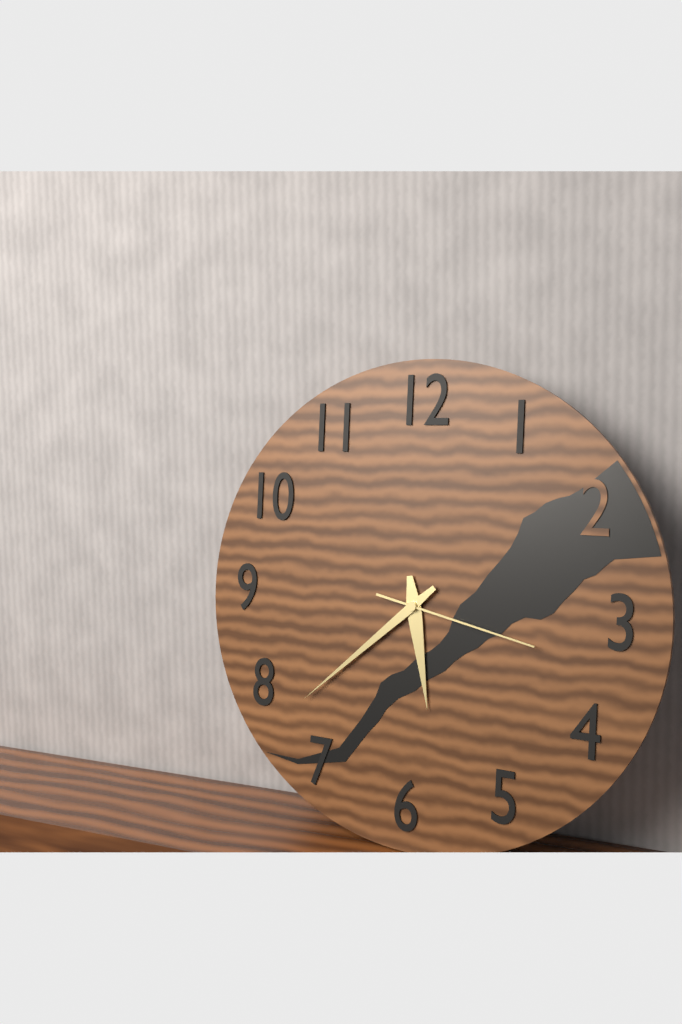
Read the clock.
5:38:17
